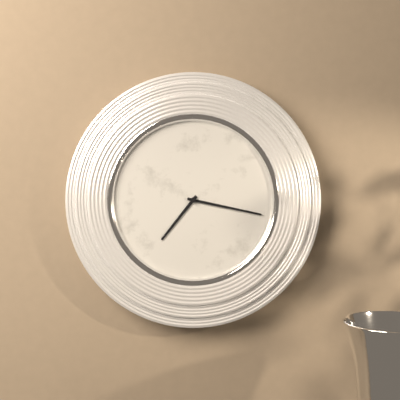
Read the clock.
7:17
